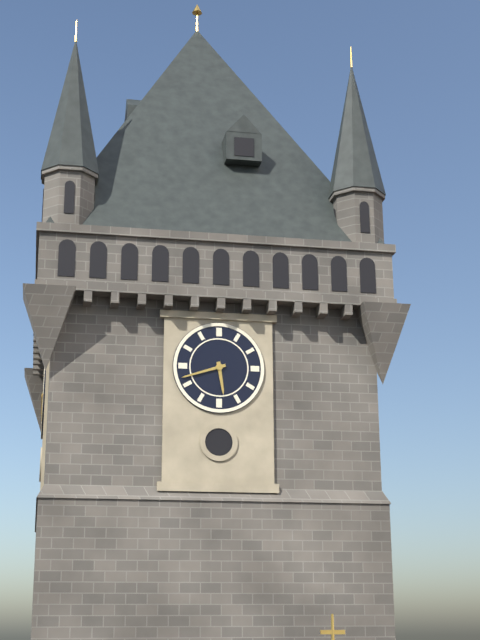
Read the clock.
5:42
